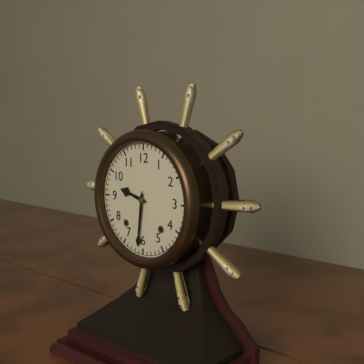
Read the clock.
9:31
